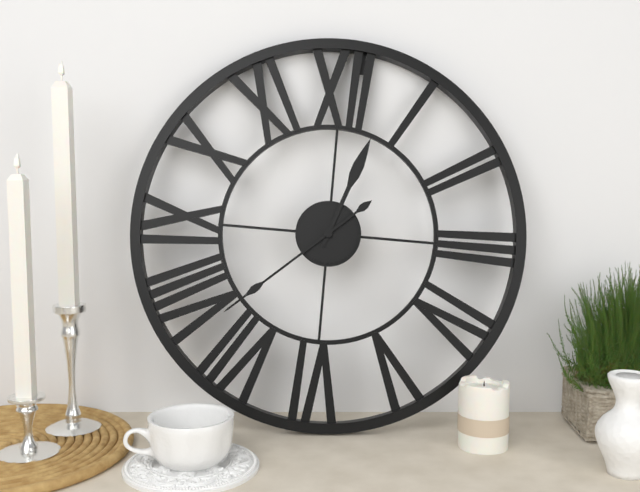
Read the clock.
12:38
